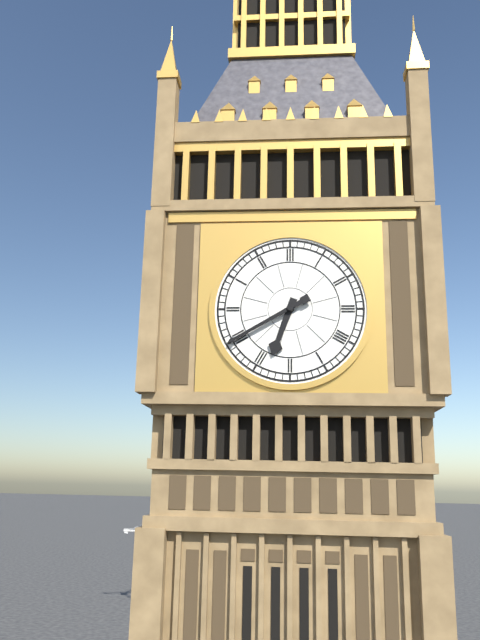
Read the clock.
6:40
